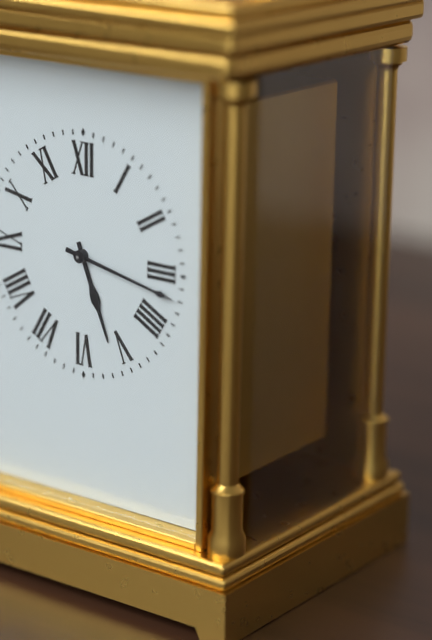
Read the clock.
5:17
